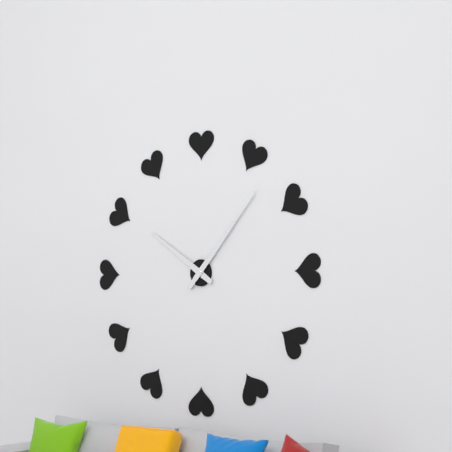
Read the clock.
10:07
